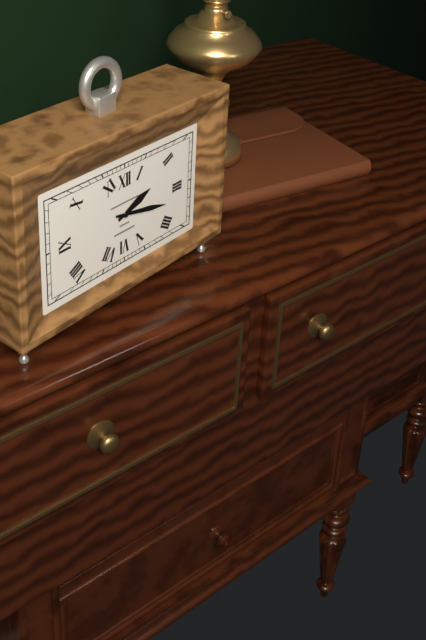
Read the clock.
2:17
